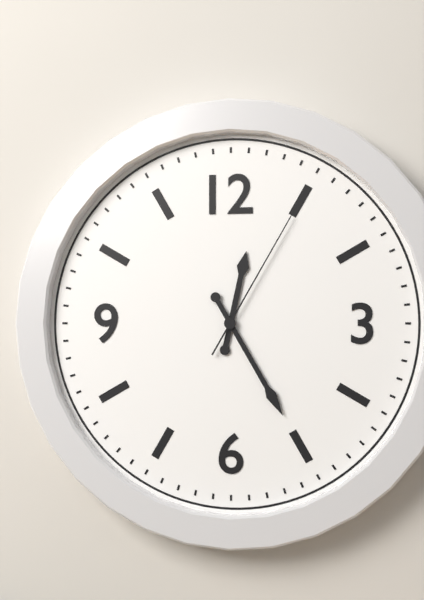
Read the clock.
12:25:05
